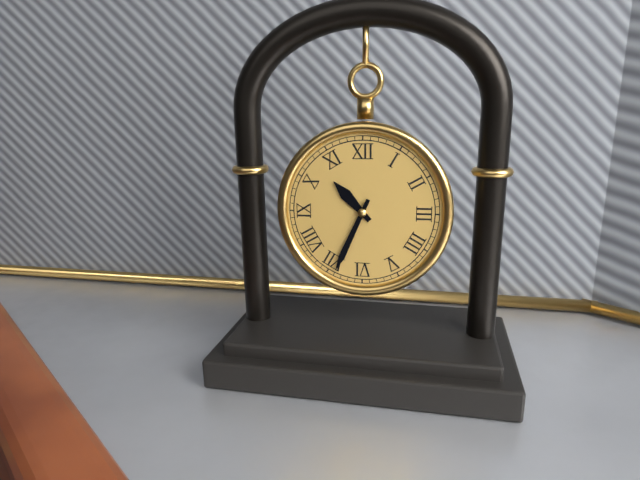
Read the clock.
10:34
